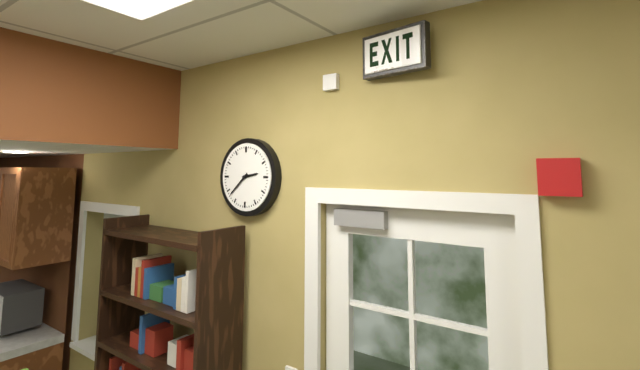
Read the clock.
2:38
